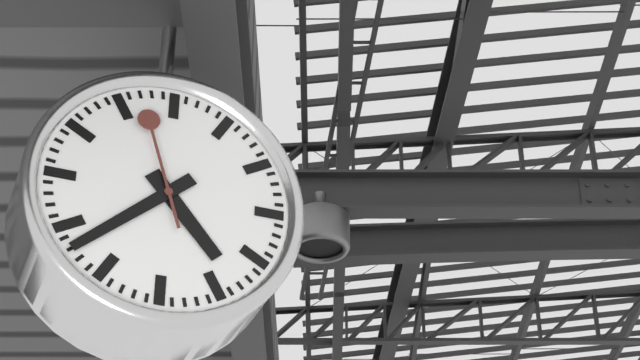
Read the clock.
4:38:57
